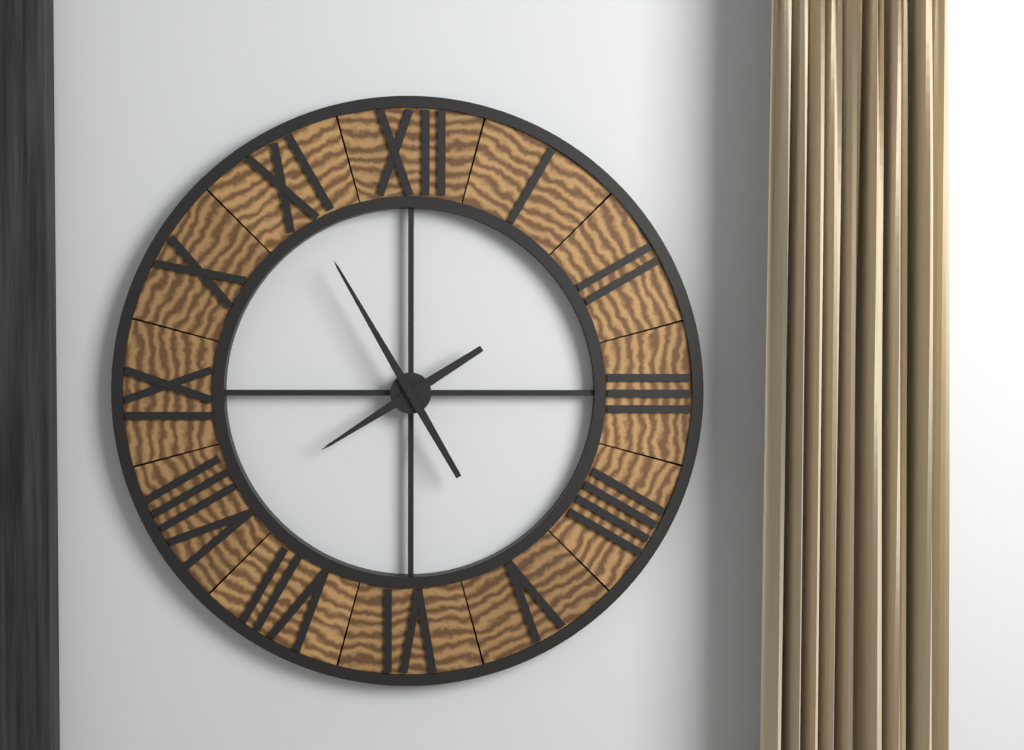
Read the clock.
7:55
